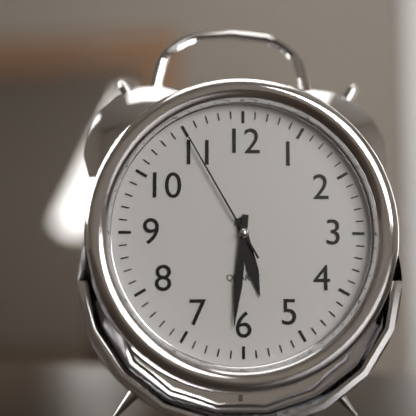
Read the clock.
5:31:55
